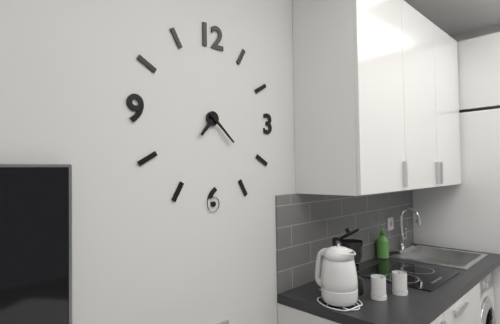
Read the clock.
7:22
